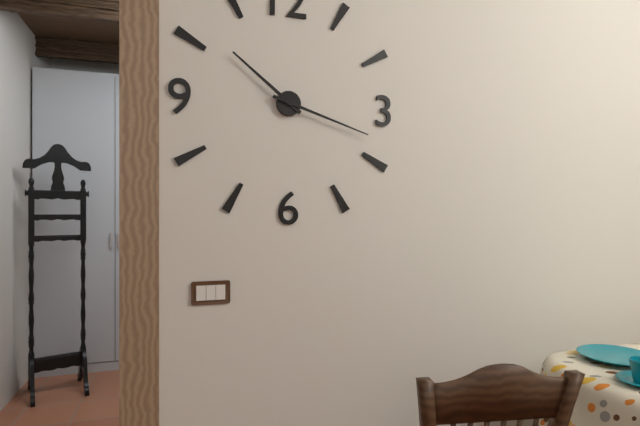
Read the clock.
10:18
